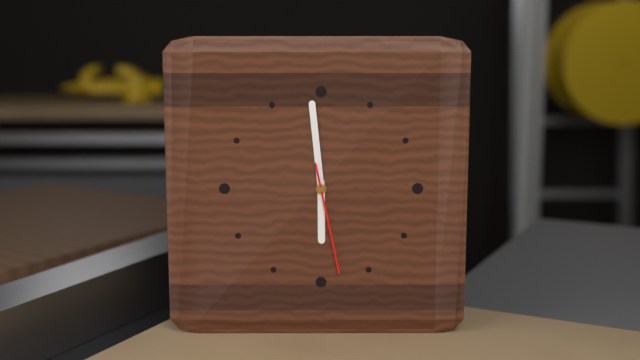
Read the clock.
5:59:28
